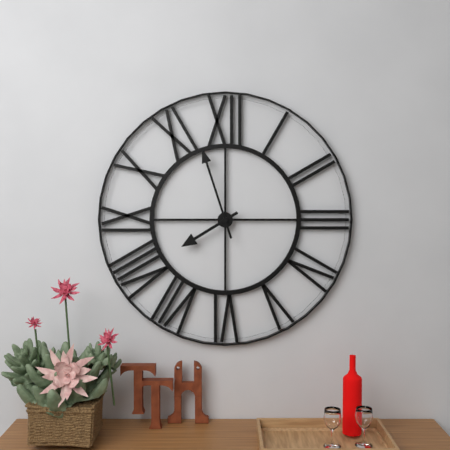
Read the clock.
7:57
